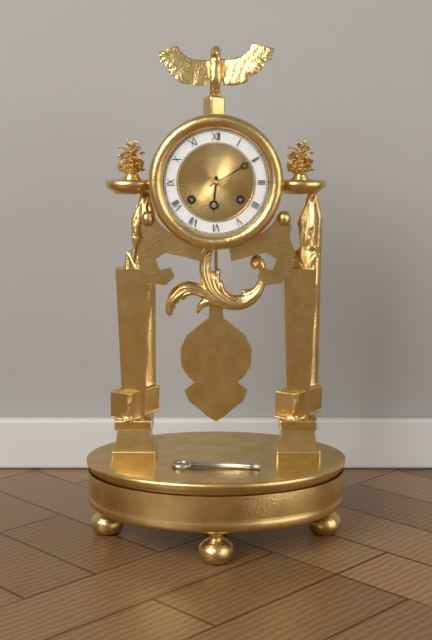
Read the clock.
6:10
